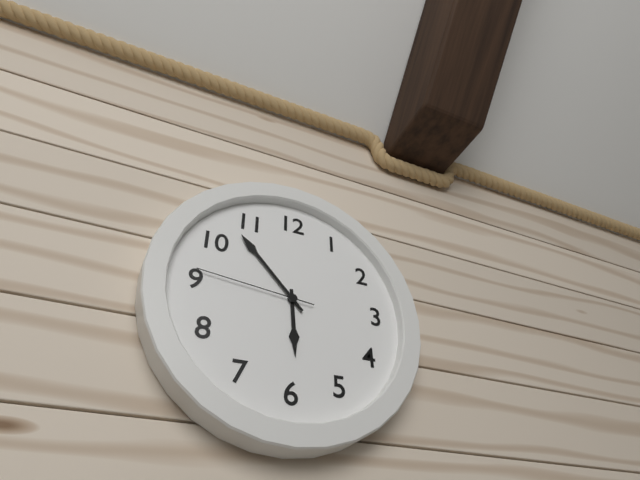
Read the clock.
5:53:46
